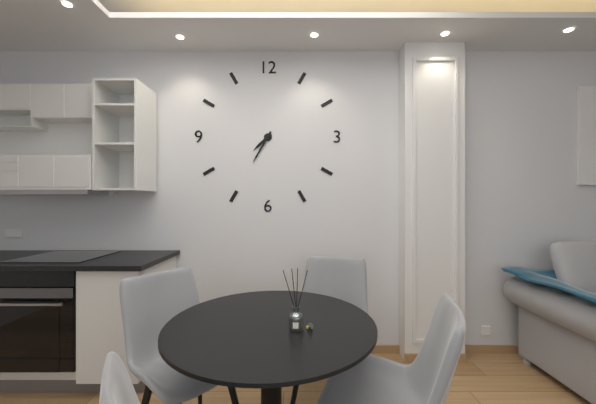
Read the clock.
7:35
